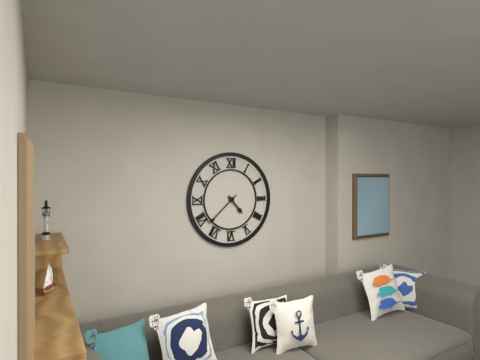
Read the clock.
4:38
